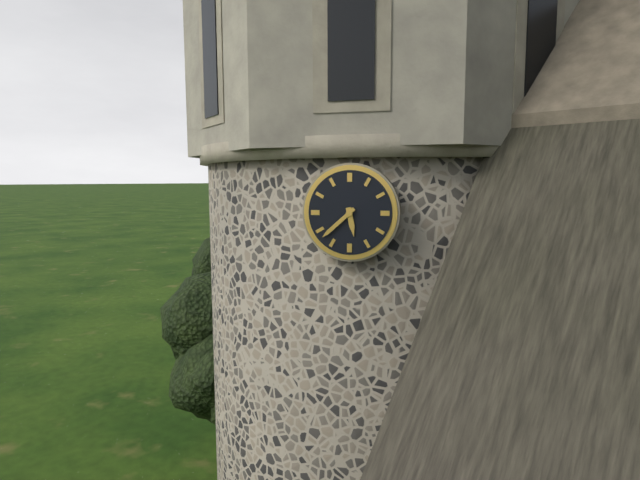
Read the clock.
5:38
